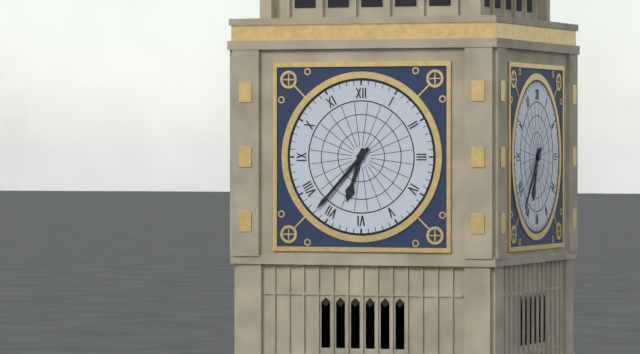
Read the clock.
6:37
